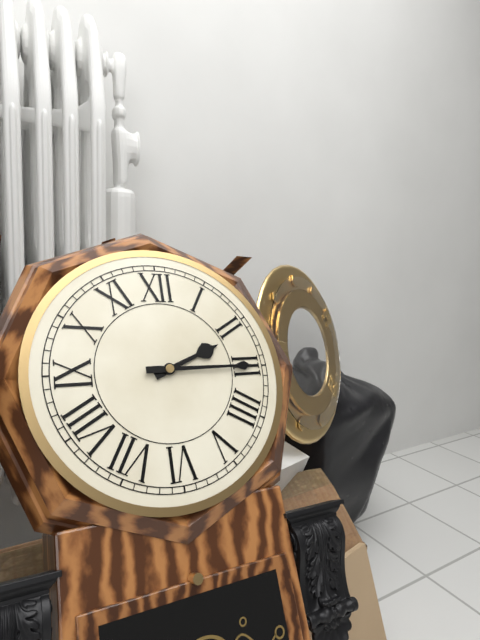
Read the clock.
2:15
